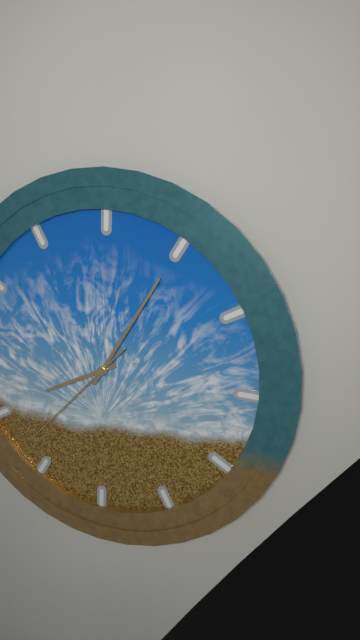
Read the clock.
8:05:37
